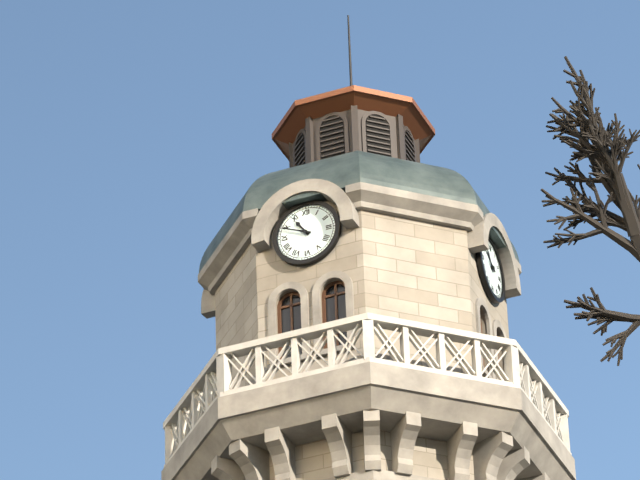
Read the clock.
10:49
